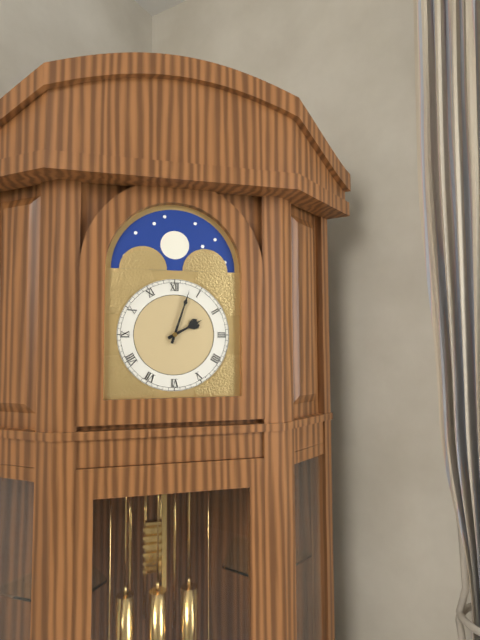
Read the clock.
2:03
